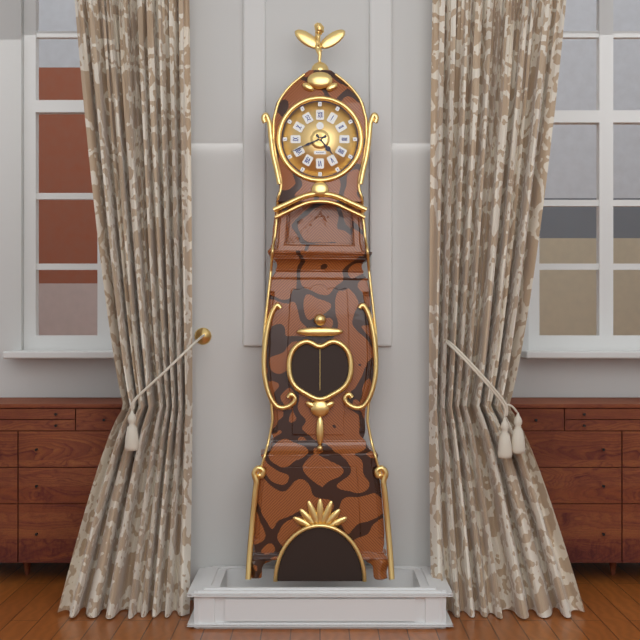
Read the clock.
4:41
